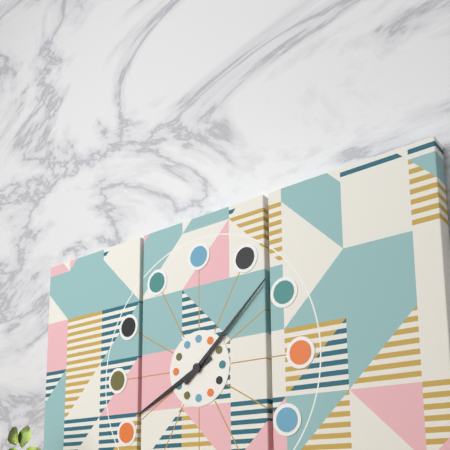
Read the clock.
8:08
